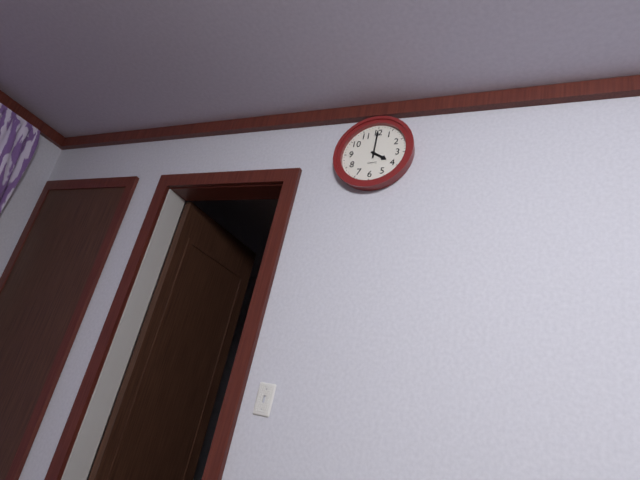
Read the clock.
4:00
